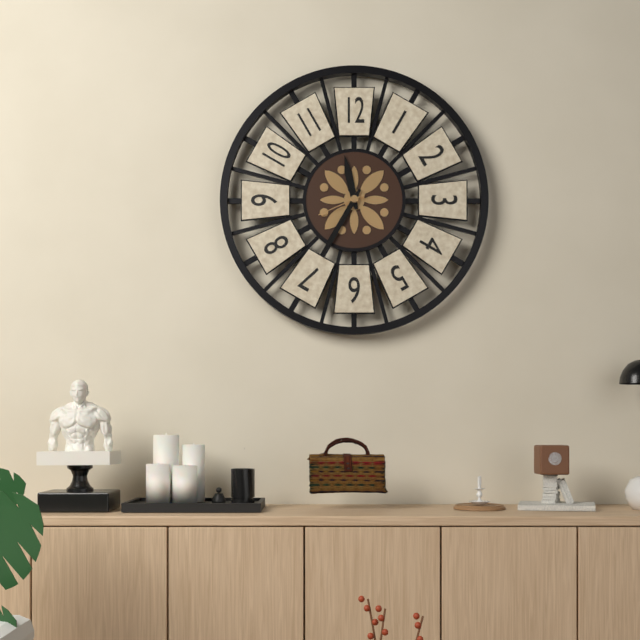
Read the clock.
11:35
